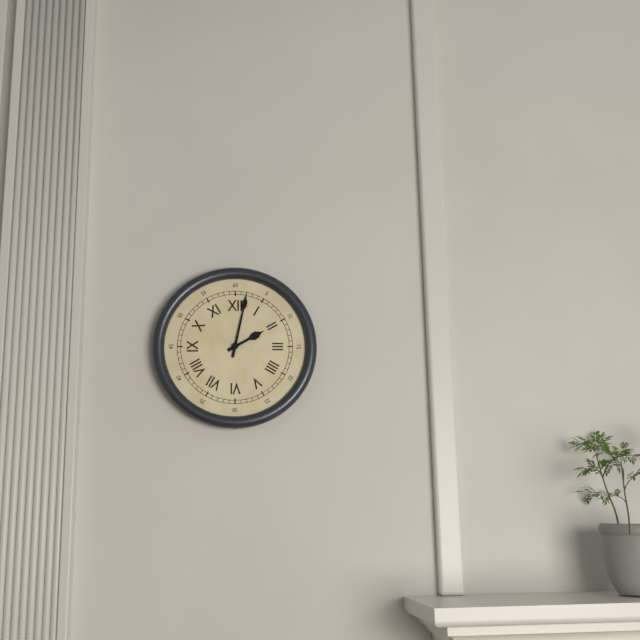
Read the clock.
2:02
